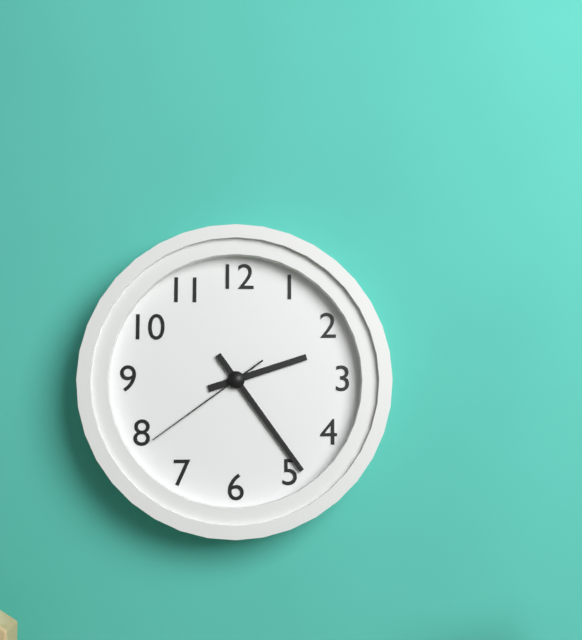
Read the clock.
2:24:39
